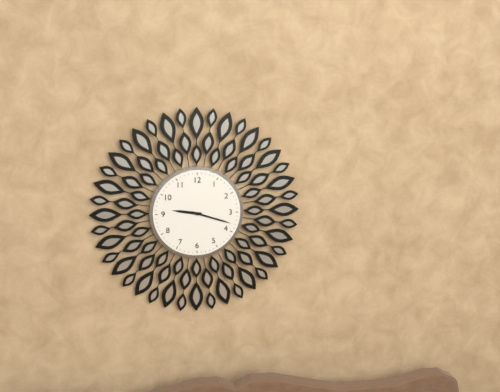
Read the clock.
9:18
